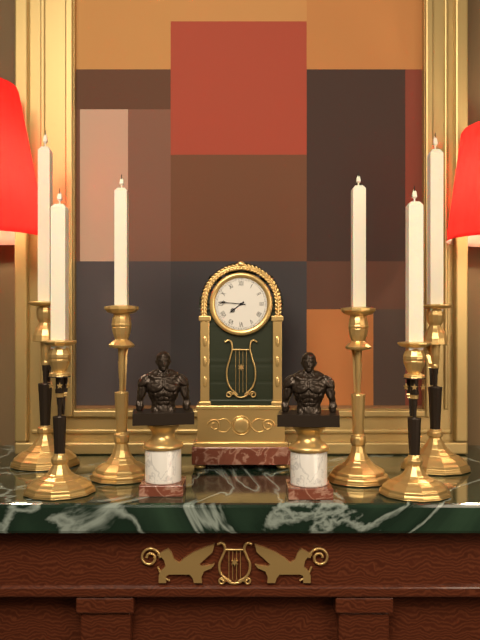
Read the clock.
7:46
